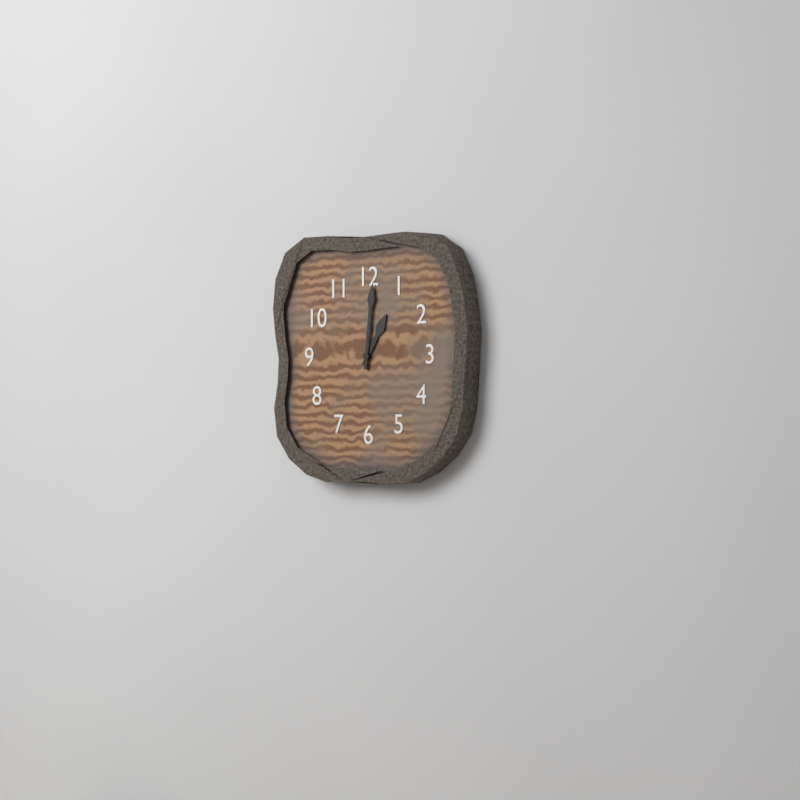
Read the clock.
1:01
